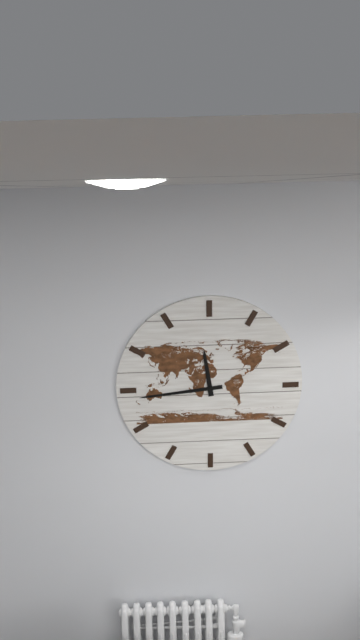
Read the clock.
11:44
